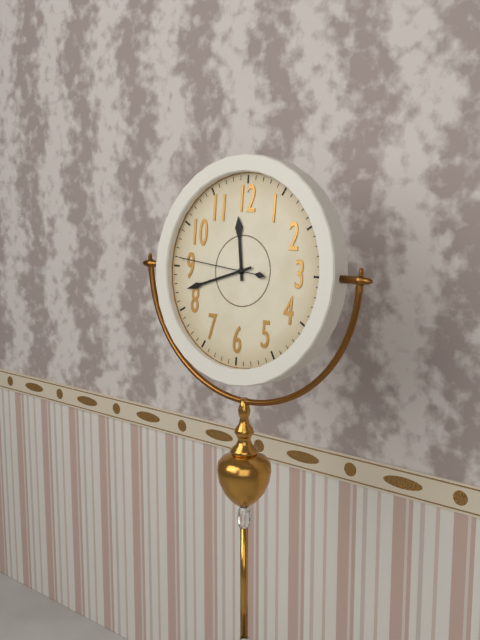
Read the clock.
11:42:46
